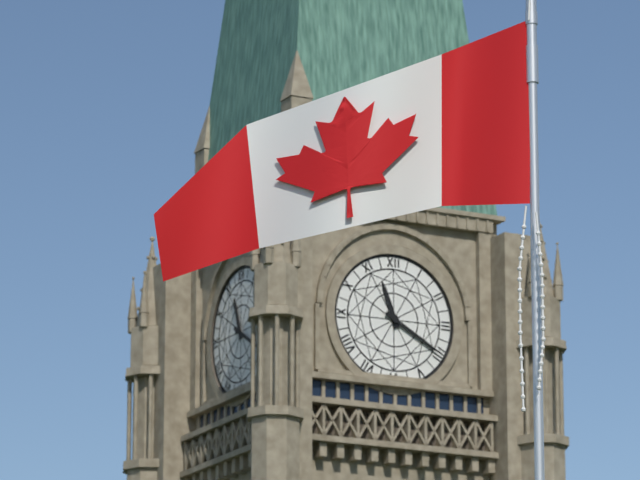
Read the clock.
11:20
